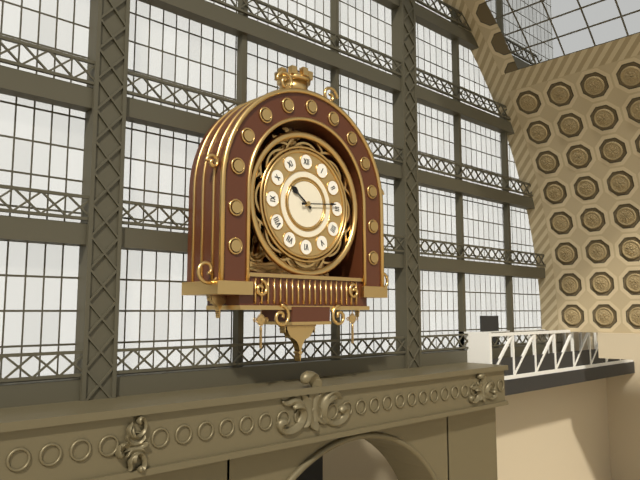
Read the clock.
10:14
